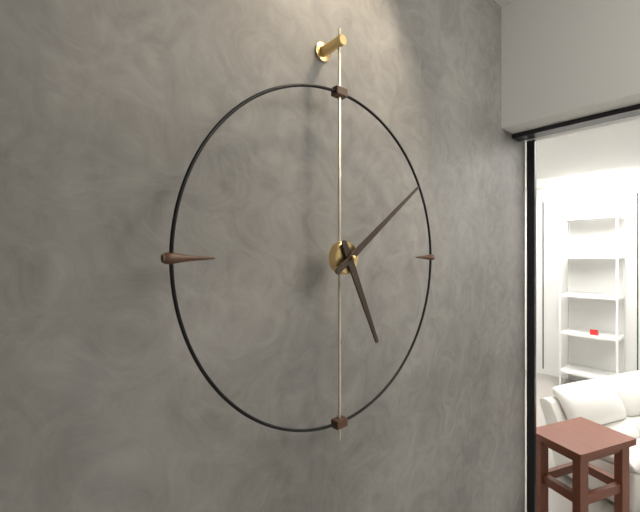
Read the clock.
5:09
